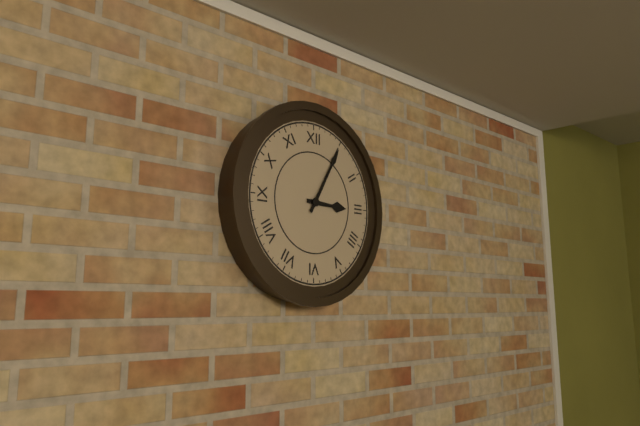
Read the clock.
3:05
